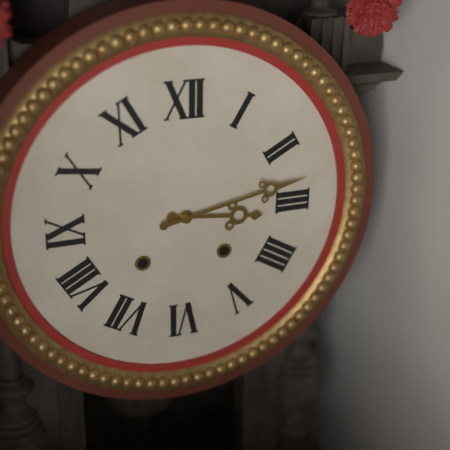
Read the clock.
3:13
